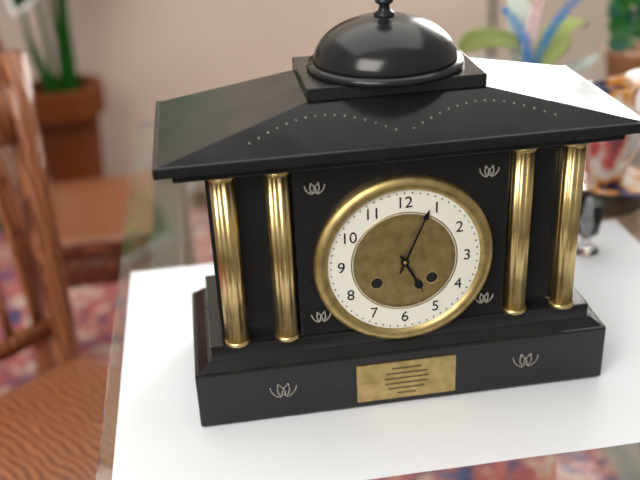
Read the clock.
5:04
